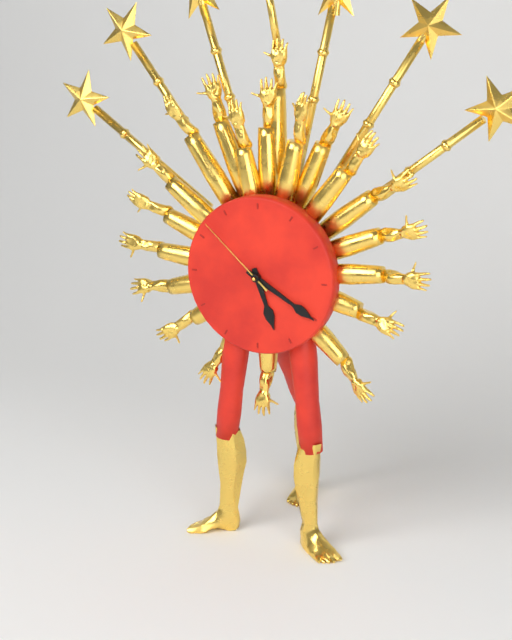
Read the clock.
5:20:52
